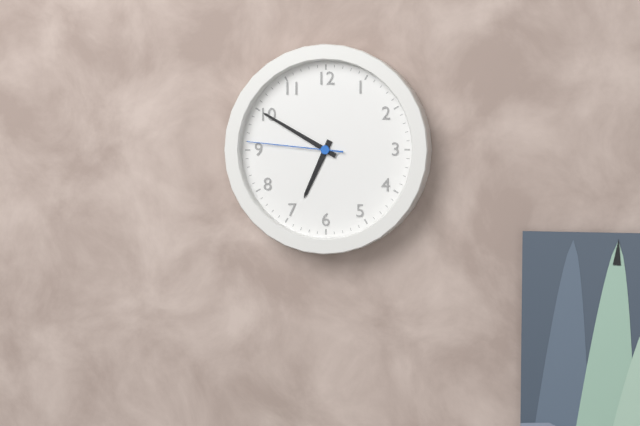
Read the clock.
6:50:46
